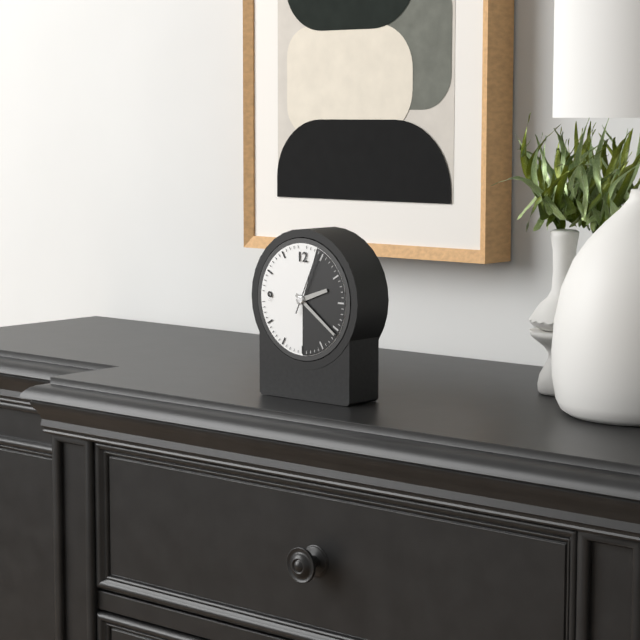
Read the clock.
2:21:04
